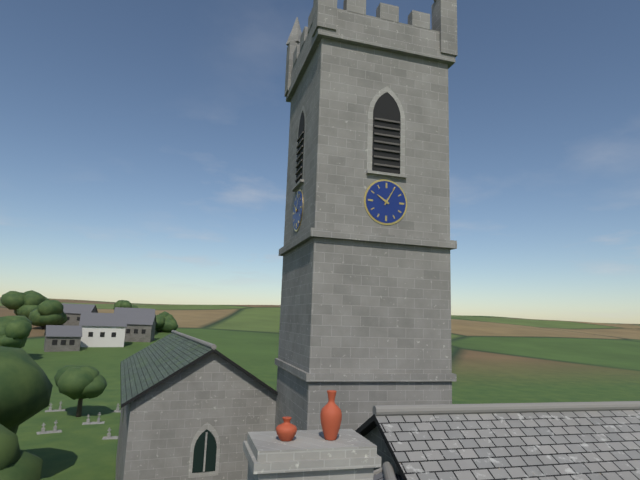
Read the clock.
10:05
